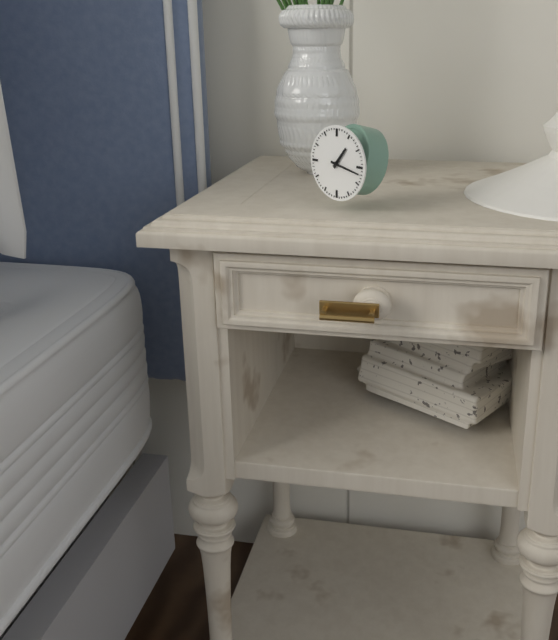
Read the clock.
1:17
